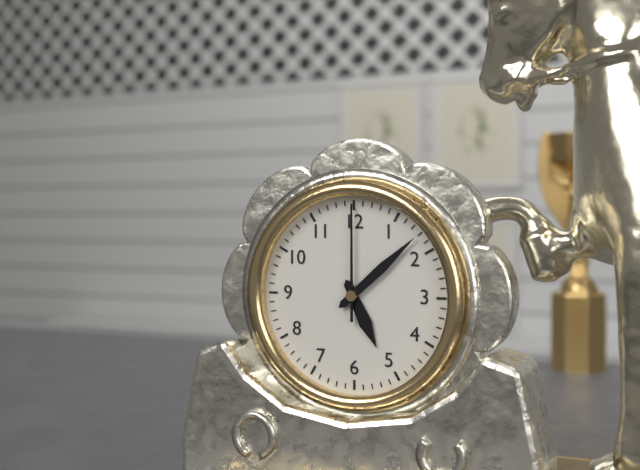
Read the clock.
5:08:00
